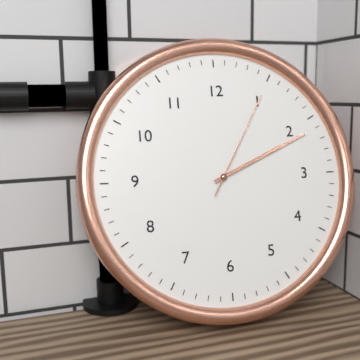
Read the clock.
2:11:05
